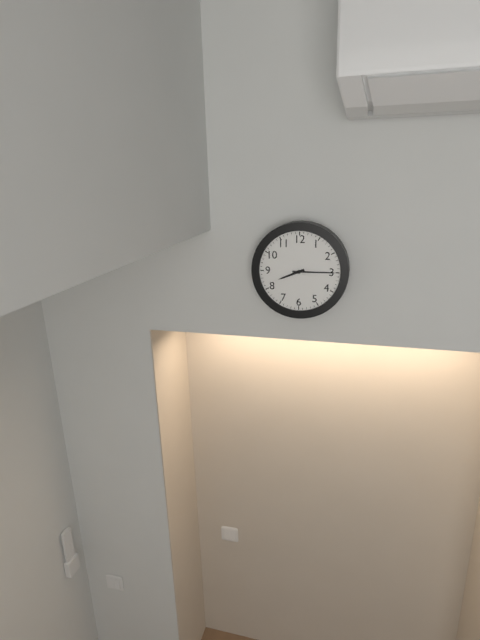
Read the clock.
8:15
